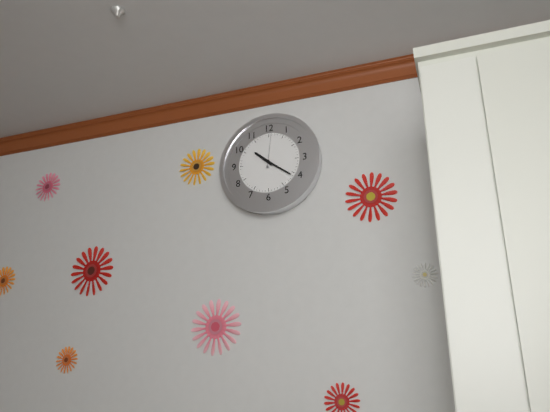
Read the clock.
10:21
